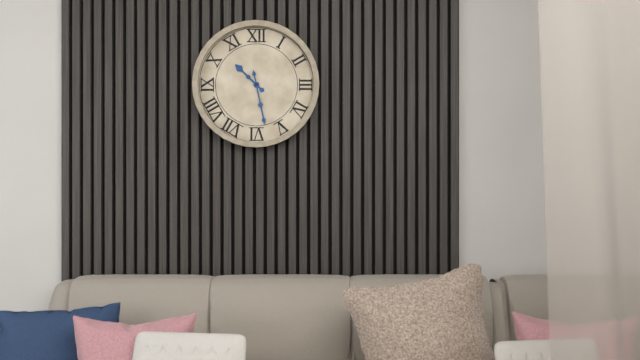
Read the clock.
10:28
